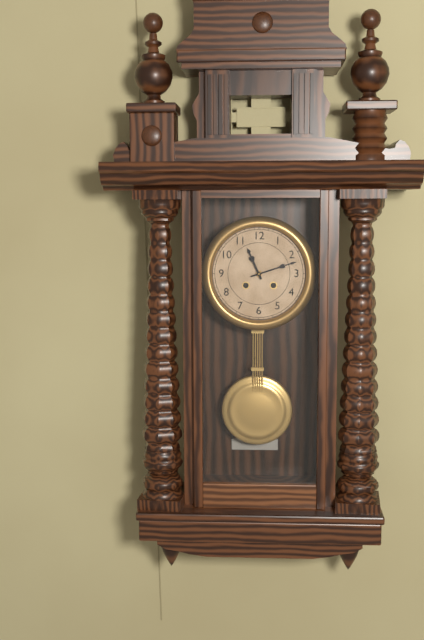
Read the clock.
11:12
